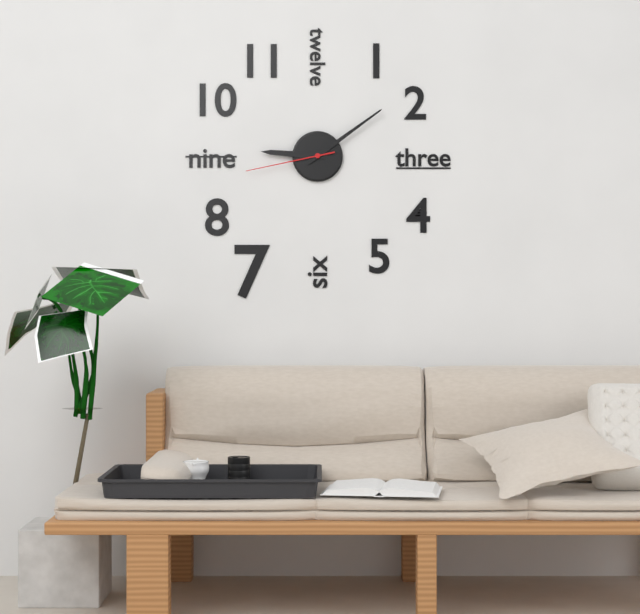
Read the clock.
9:09:43
